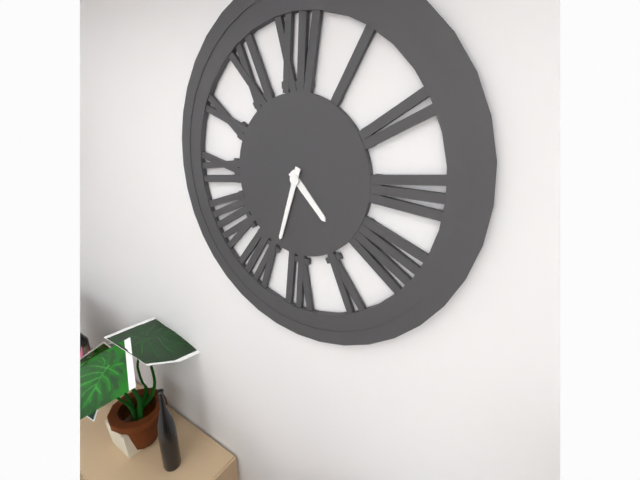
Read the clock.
4:33
